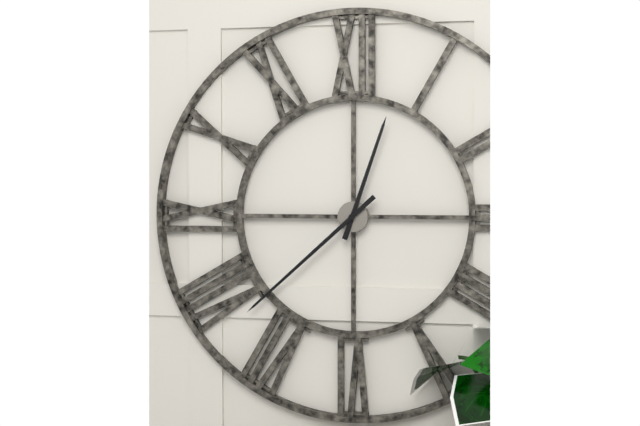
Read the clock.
12:38
